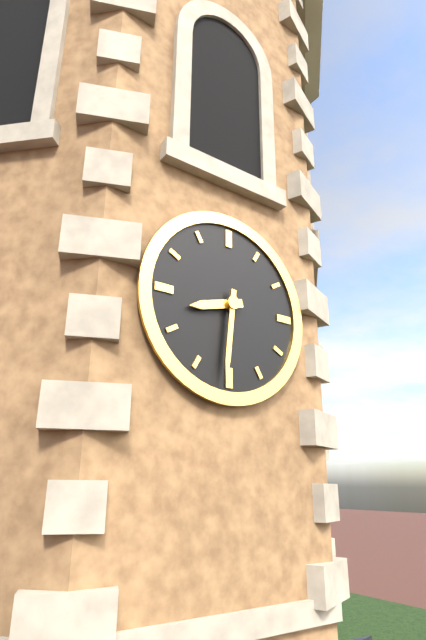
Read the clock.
8:31
